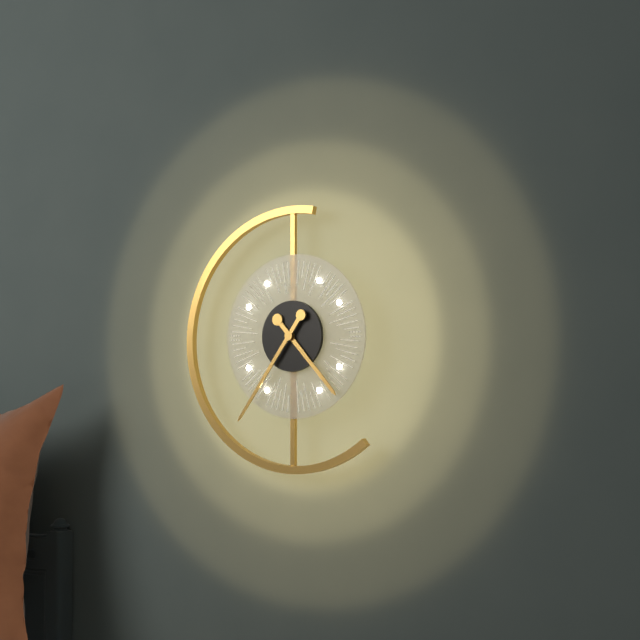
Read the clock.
4:36
